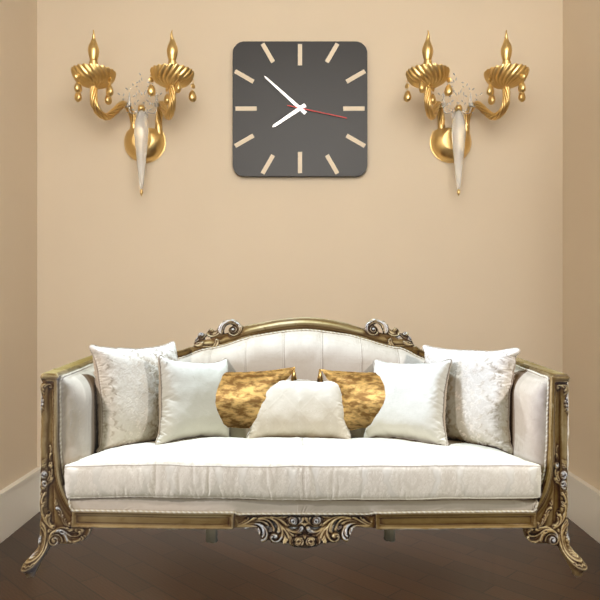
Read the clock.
7:52:17
